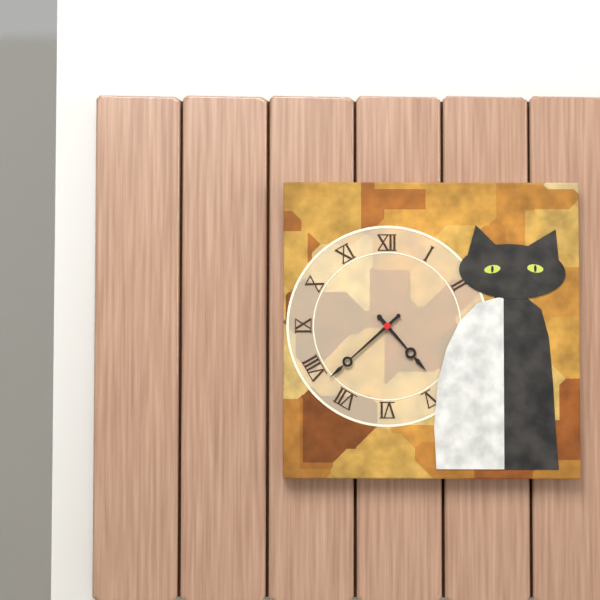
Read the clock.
4:38
